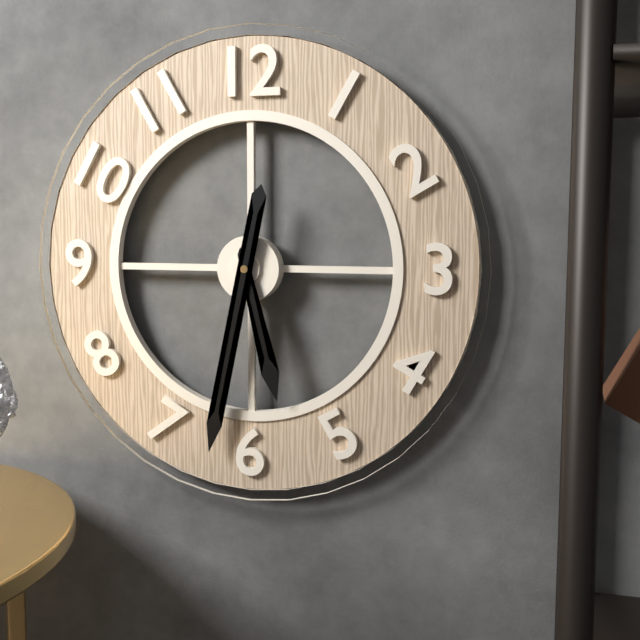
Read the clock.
5:32
